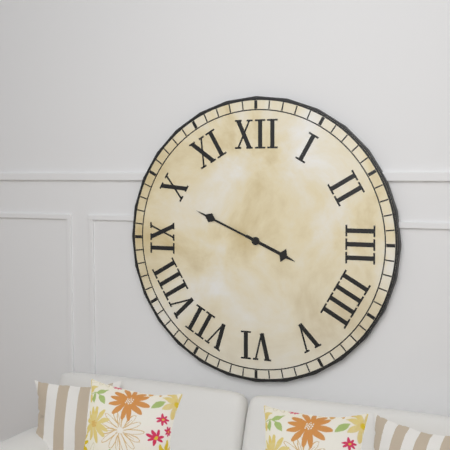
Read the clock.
3:49
